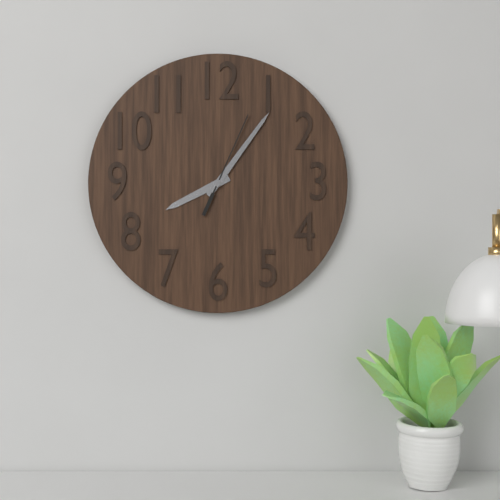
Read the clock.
8:06:04
